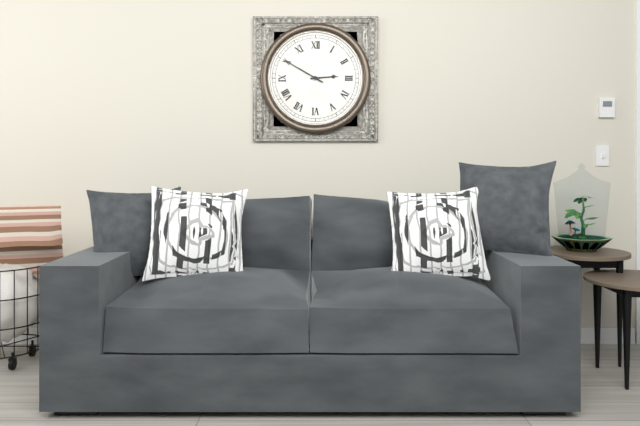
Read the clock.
2:50
